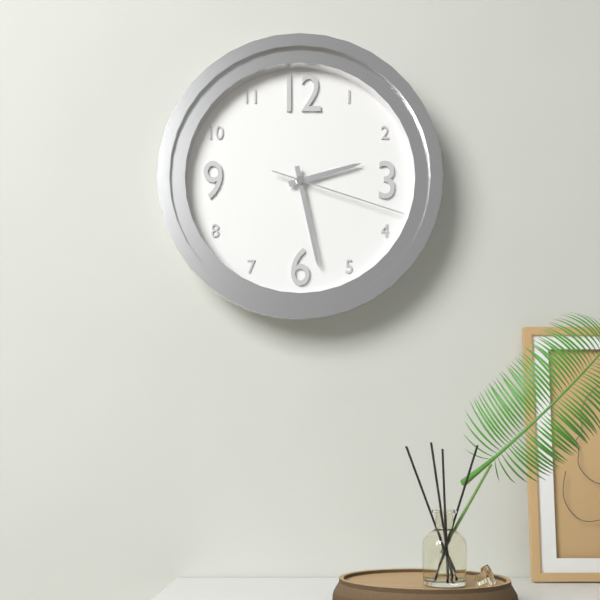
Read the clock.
2:28:18
